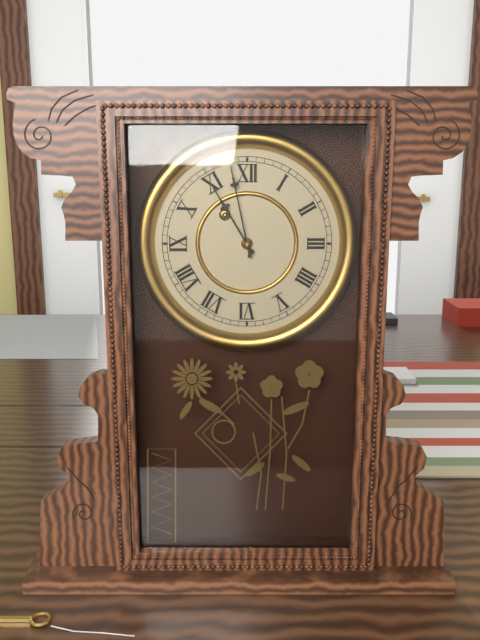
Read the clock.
10:58
